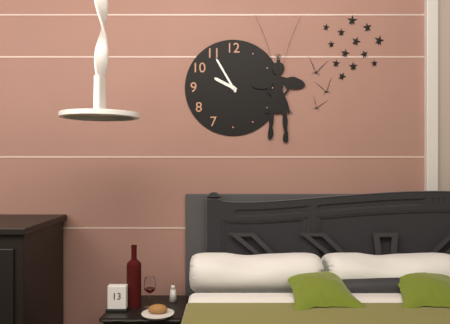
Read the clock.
9:55
